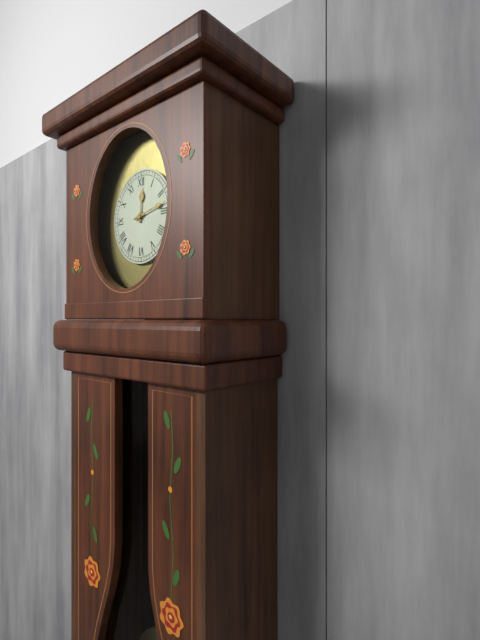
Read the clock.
12:13
